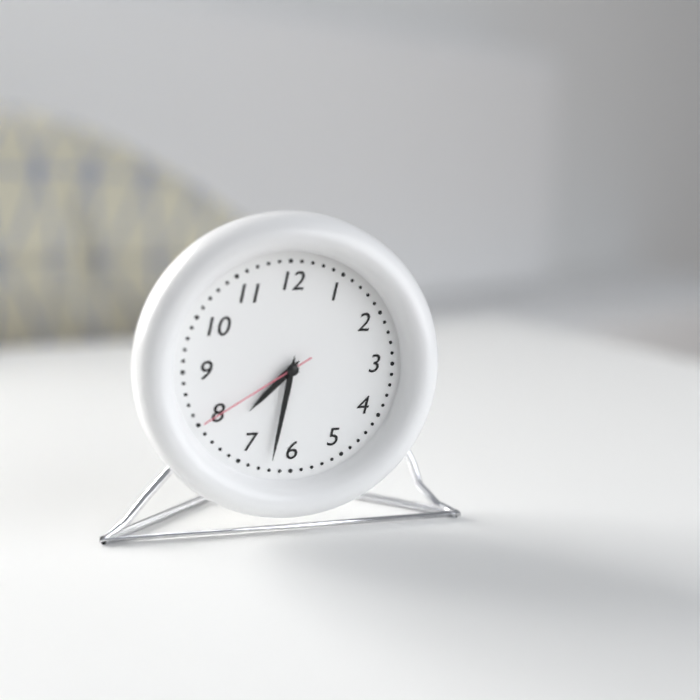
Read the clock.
7:32:40
